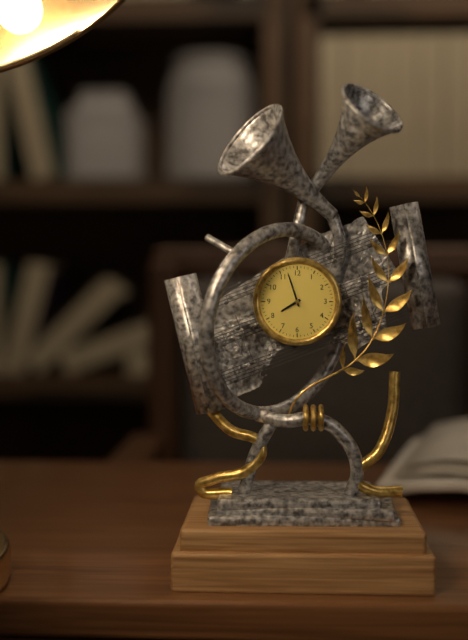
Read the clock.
7:57
